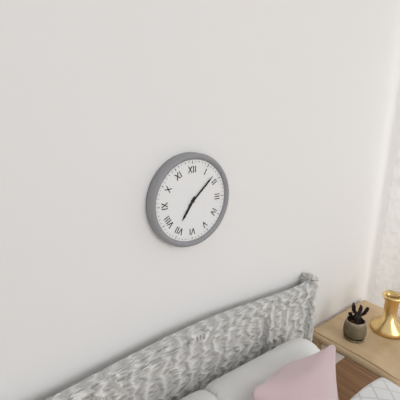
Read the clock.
7:08
